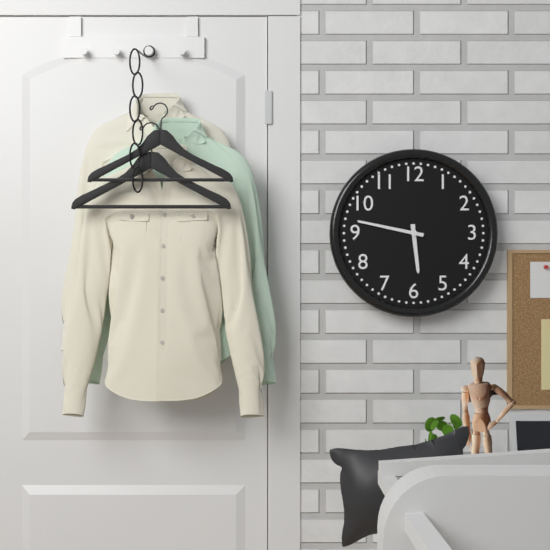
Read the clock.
5:47
